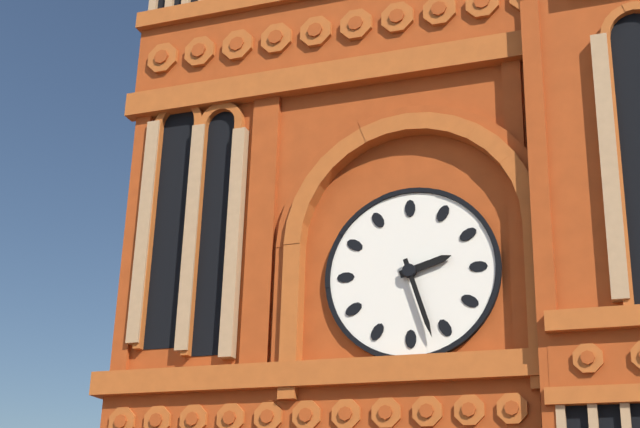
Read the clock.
2:27
